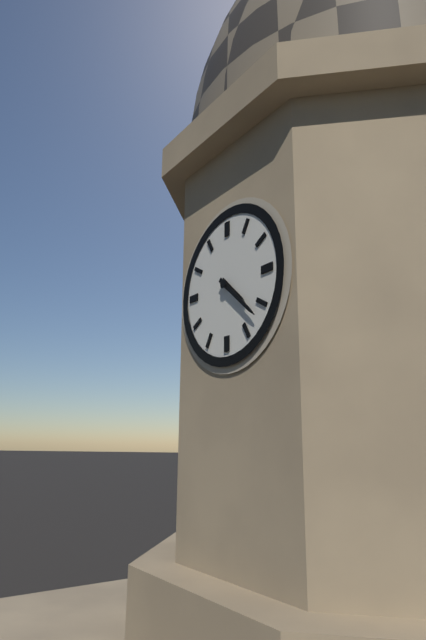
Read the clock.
4:22
